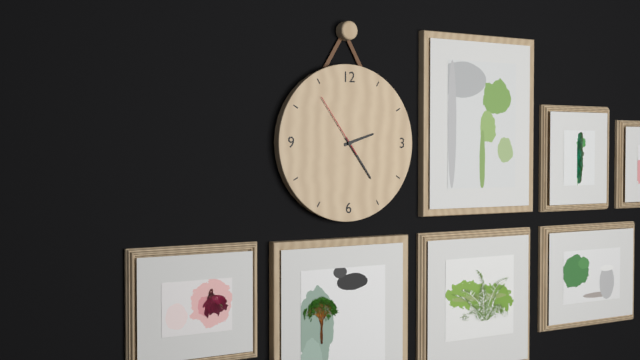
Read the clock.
2:24:54
